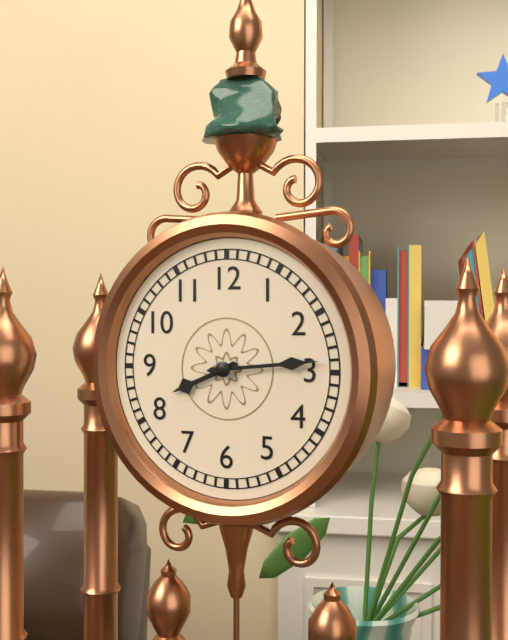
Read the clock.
8:14
